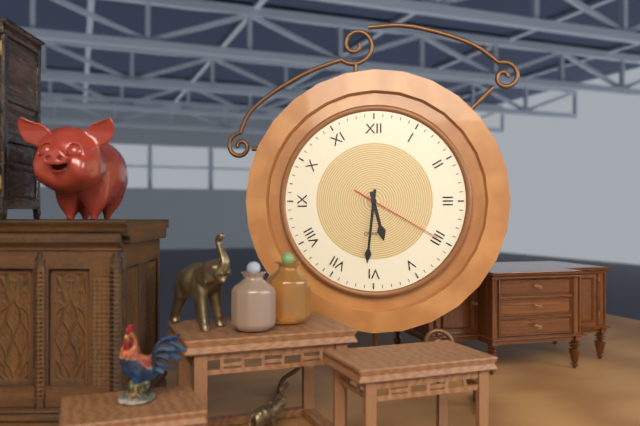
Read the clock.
5:31:20
